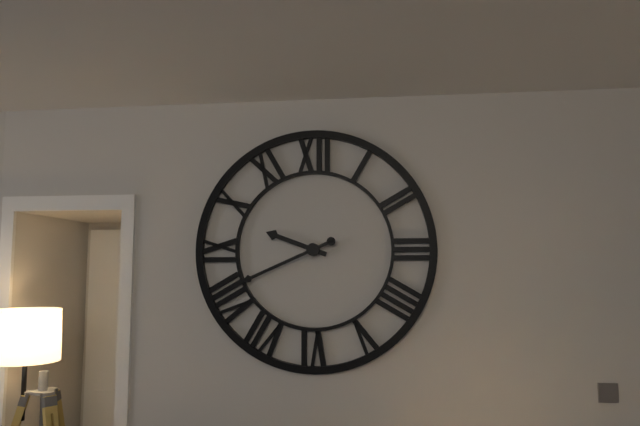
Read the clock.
9:41
